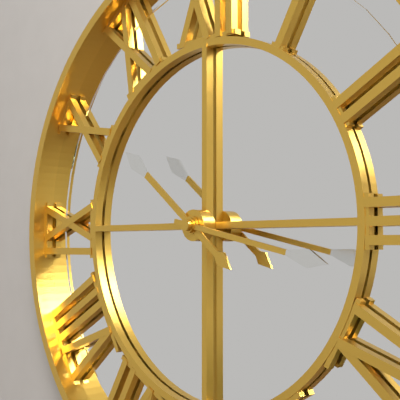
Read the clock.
10:17
